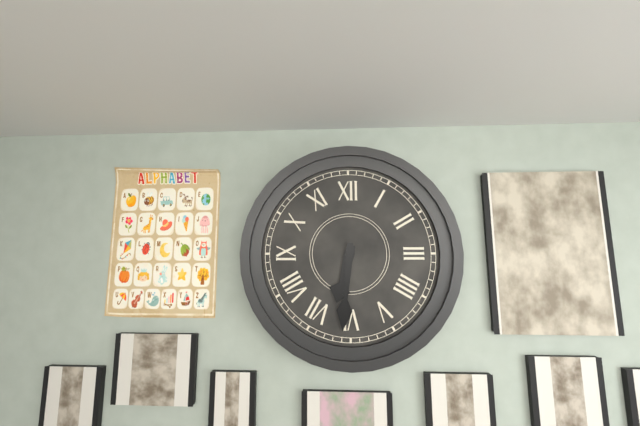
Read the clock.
6:31
